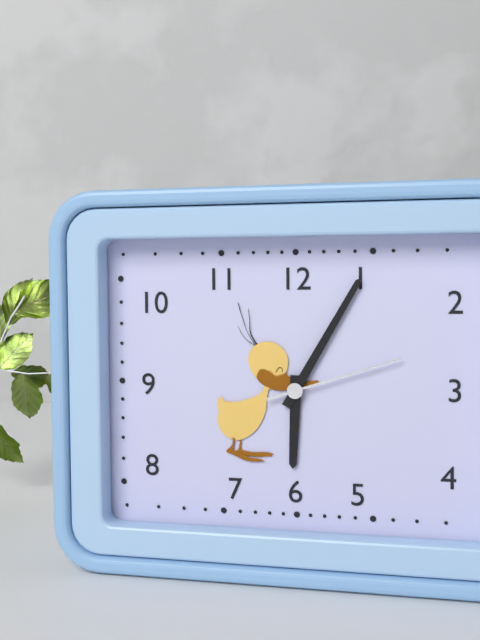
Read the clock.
6:05:12
